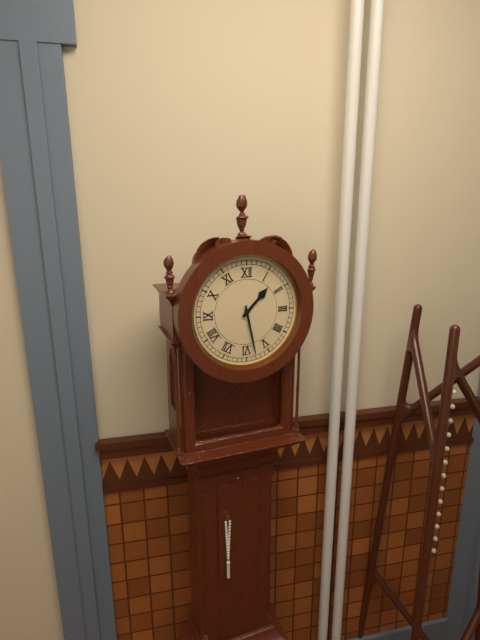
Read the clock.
1:28
